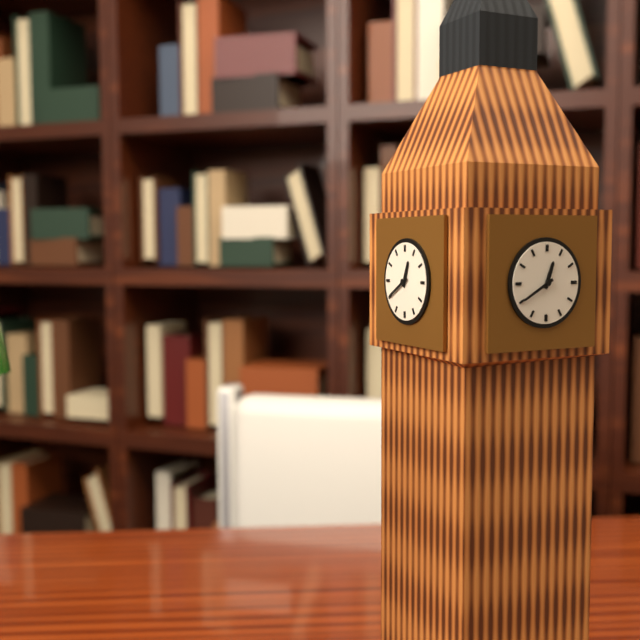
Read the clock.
12:40
